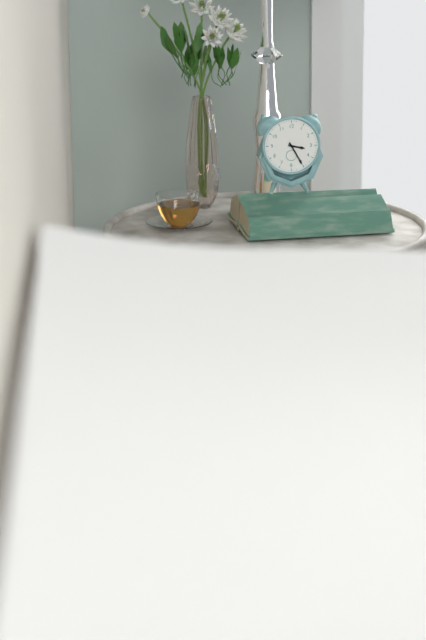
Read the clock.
3:25
